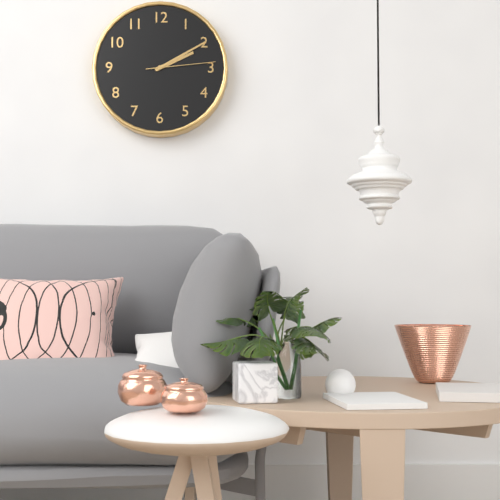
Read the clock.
2:10:14
